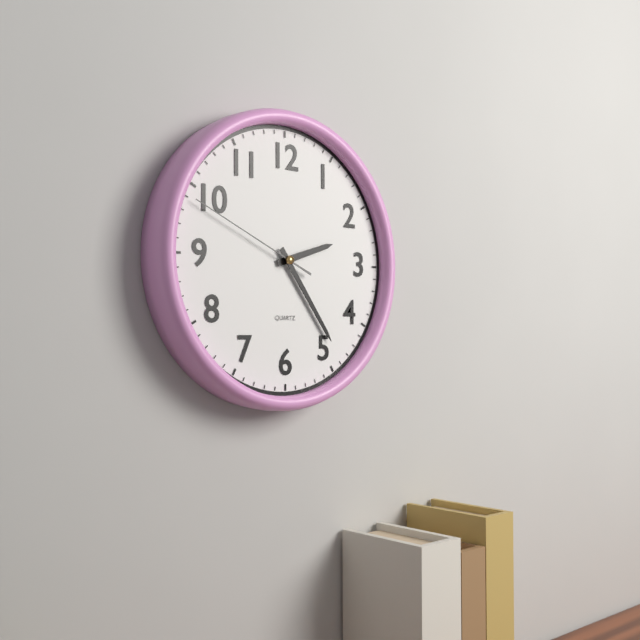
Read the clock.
2:24:49
